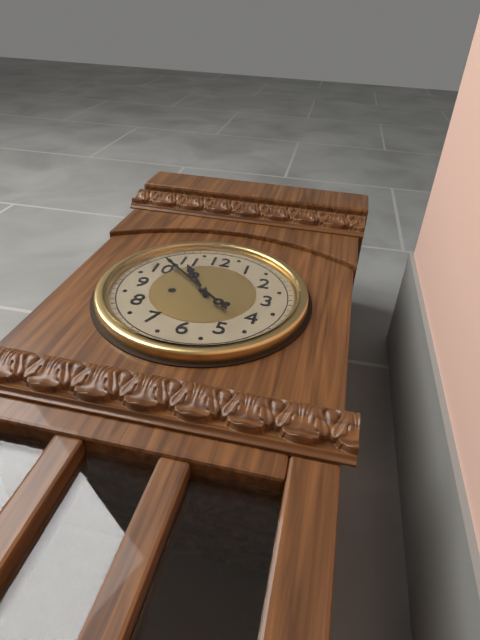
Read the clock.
10:52
